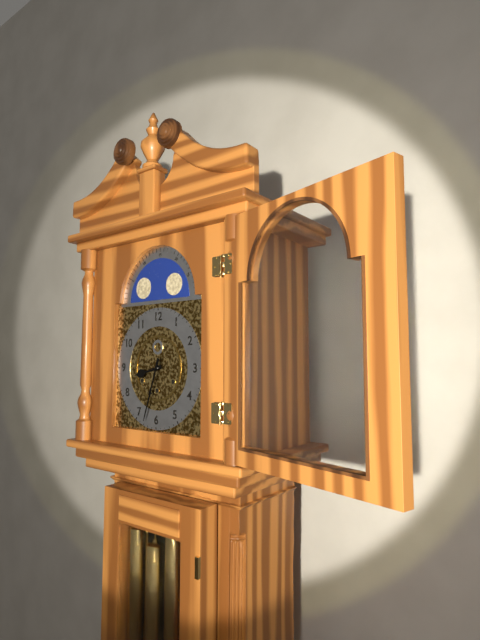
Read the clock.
8:33
